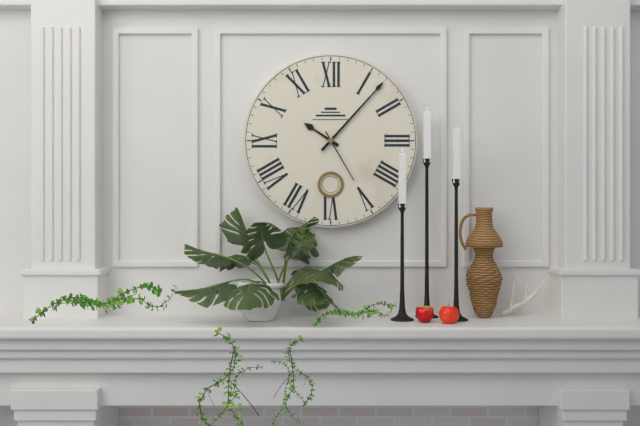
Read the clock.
10:07:25
